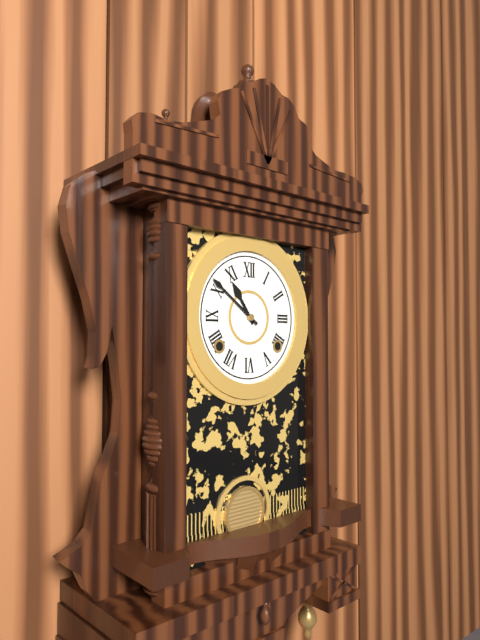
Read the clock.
10:51
